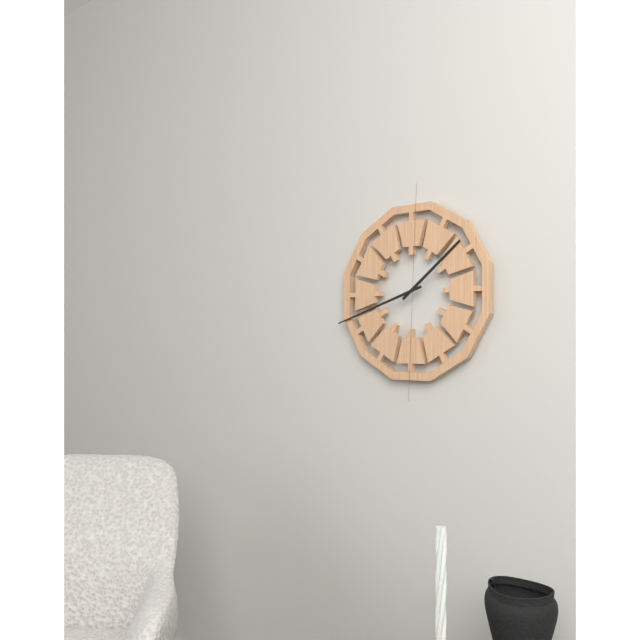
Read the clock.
1:42
